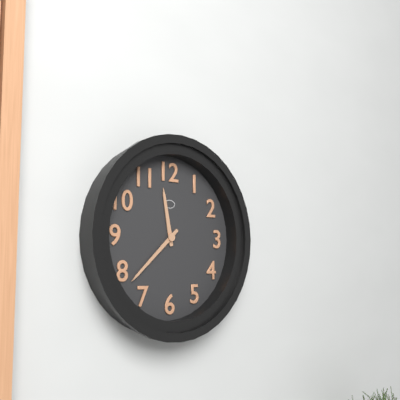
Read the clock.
11:38
